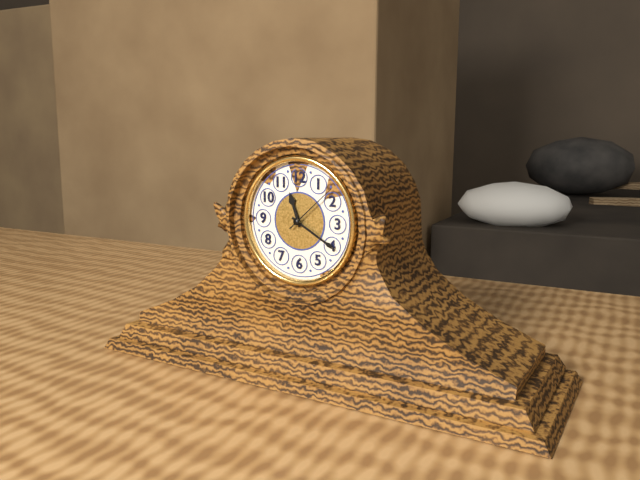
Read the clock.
11:20:08
